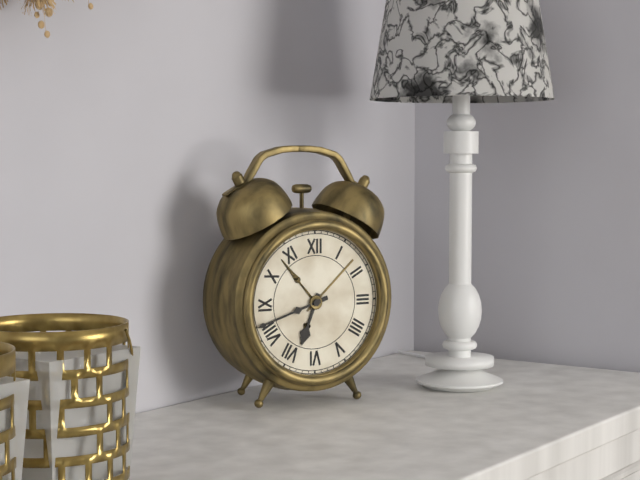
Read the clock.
6:42
